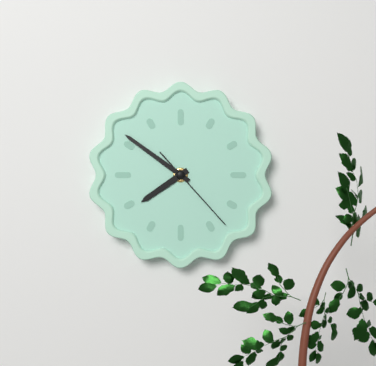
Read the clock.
7:51:23
